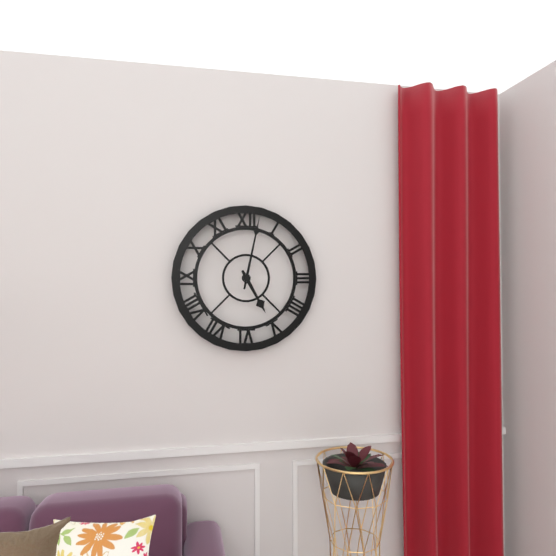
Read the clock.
5:02
